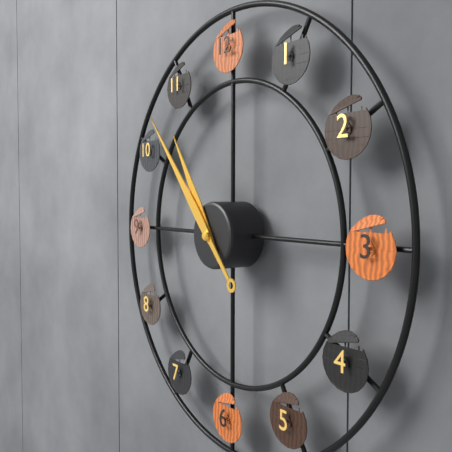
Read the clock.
10:53
